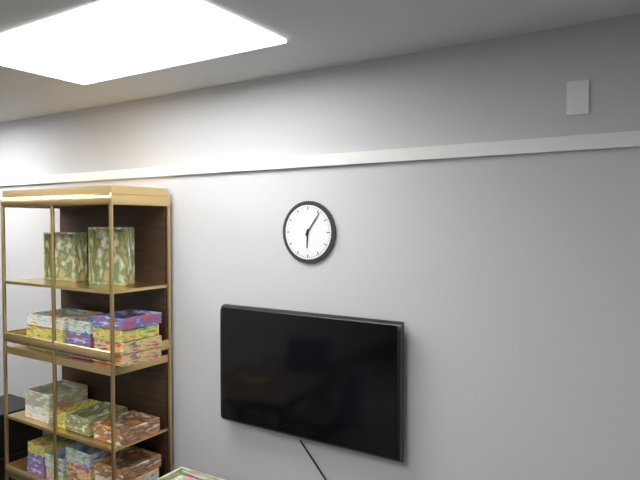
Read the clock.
6:06
